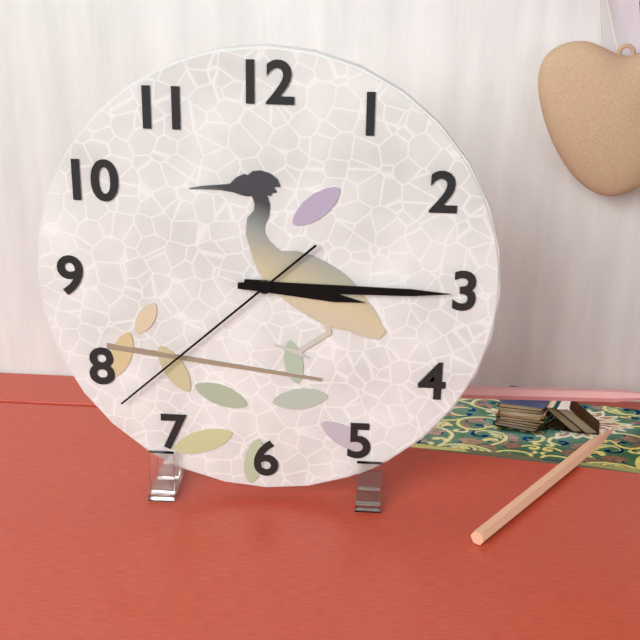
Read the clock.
3:15:38
